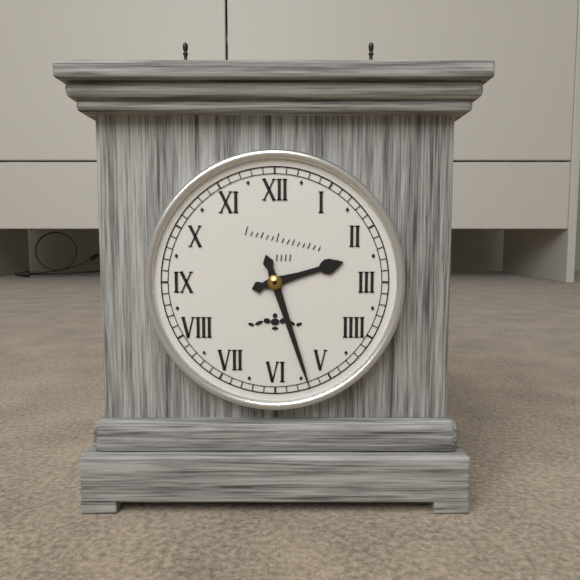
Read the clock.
2:27
